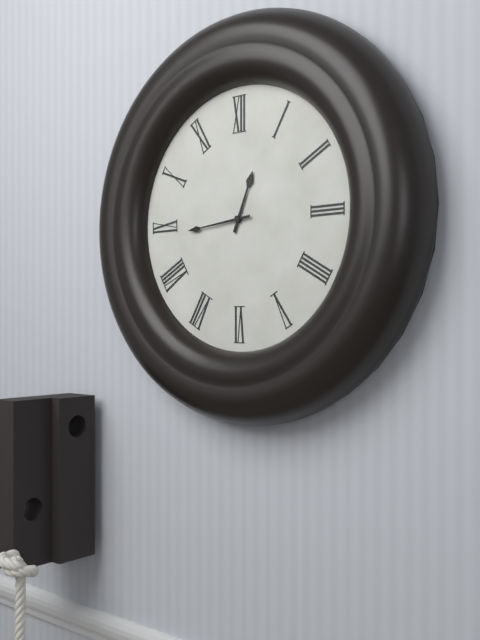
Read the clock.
12:44
